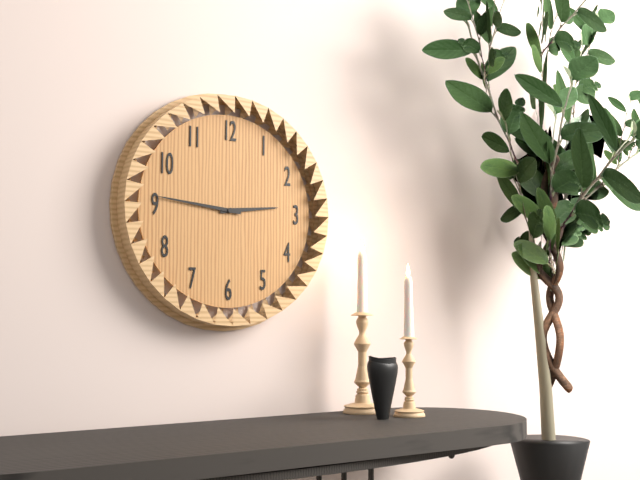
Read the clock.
2:46
